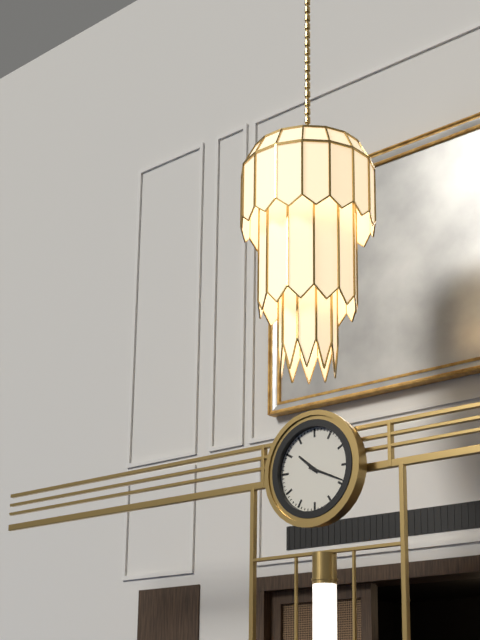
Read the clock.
10:19
